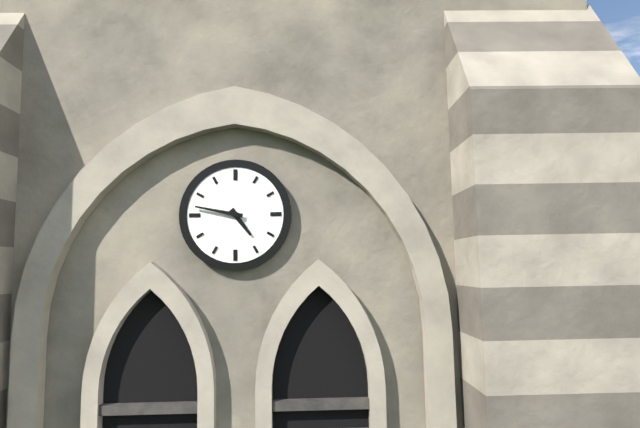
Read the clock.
4:47
